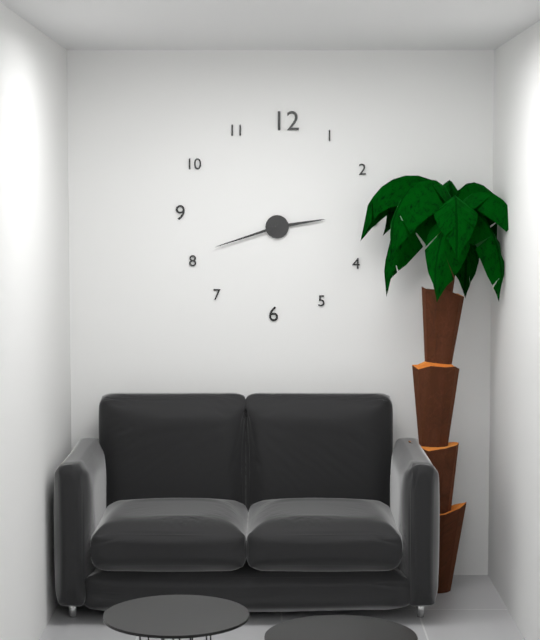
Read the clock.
2:42
